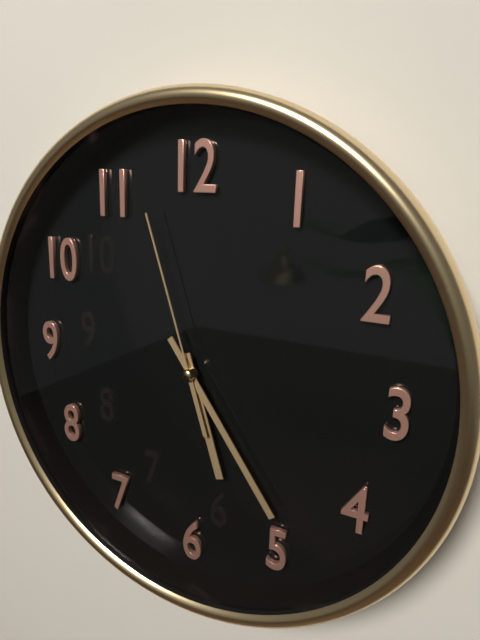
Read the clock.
5:24:57
